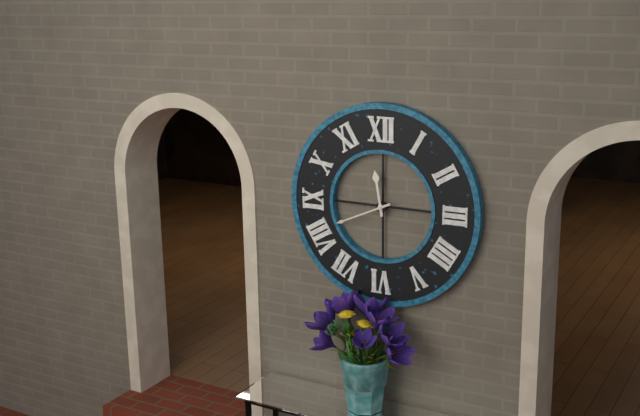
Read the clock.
11:41
